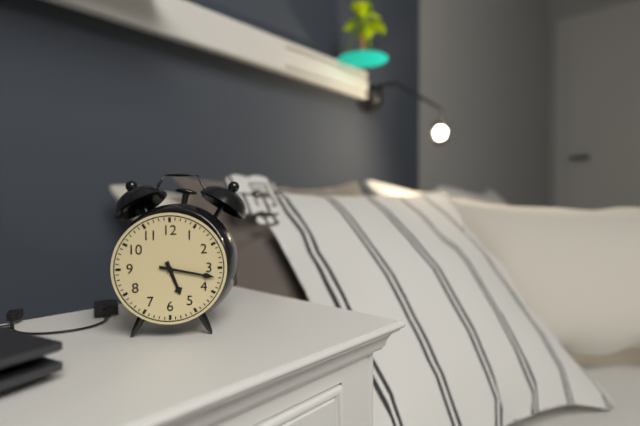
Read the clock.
5:17
